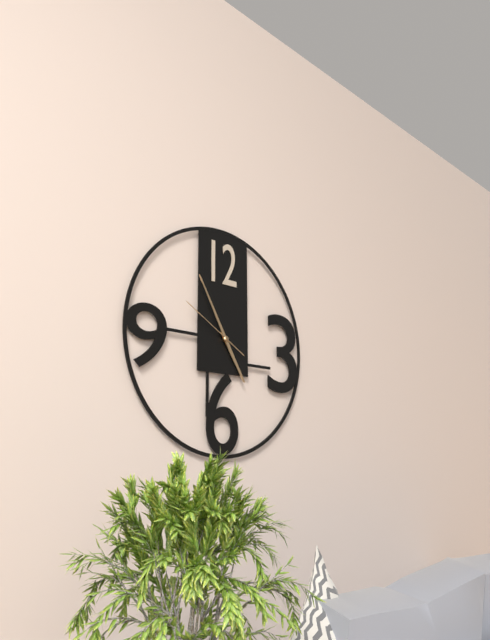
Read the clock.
4:55:50
